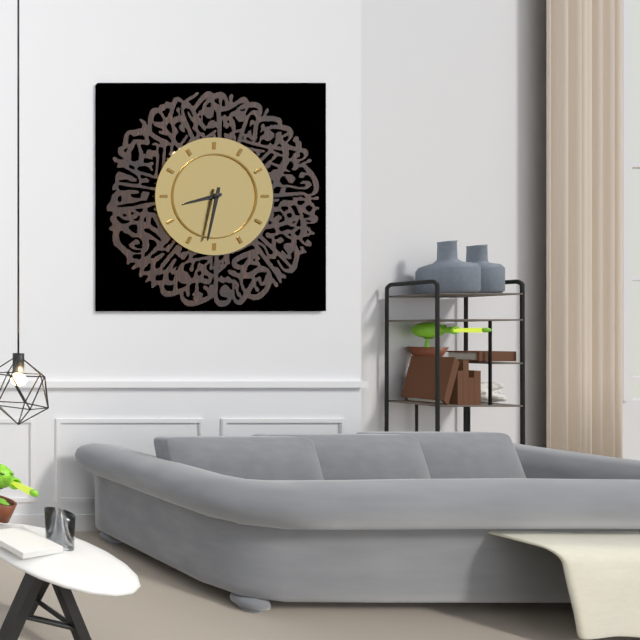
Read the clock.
8:32
